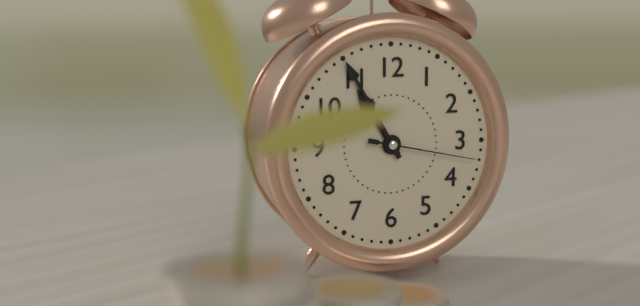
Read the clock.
10:55:17
